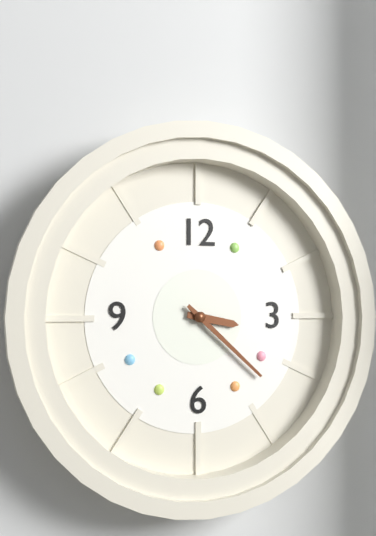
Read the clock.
3:22
